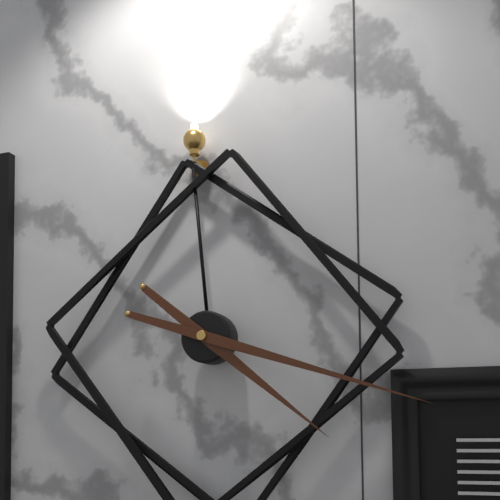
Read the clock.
4:18
